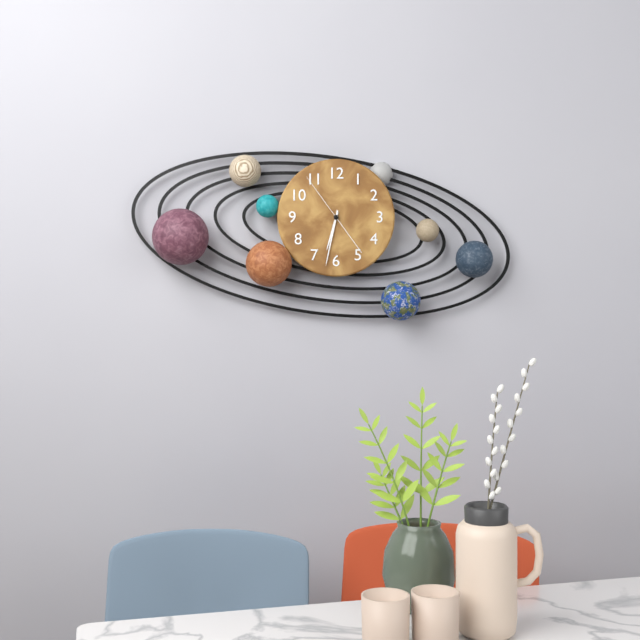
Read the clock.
6:32:54
